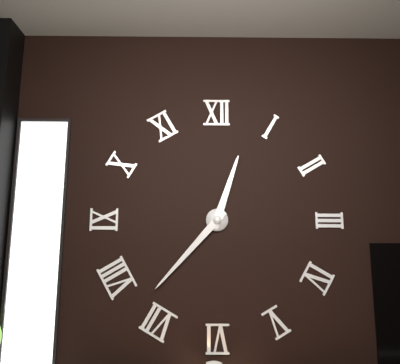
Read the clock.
12:37
